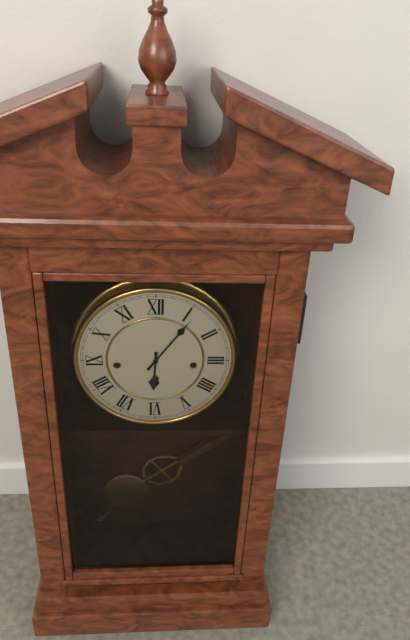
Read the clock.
6:06
